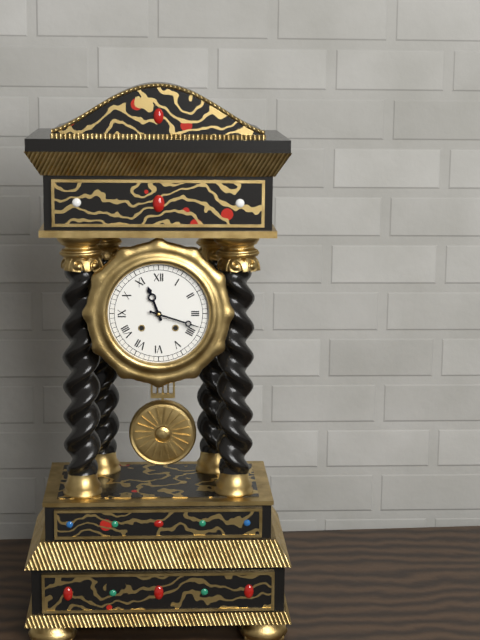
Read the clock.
11:18
